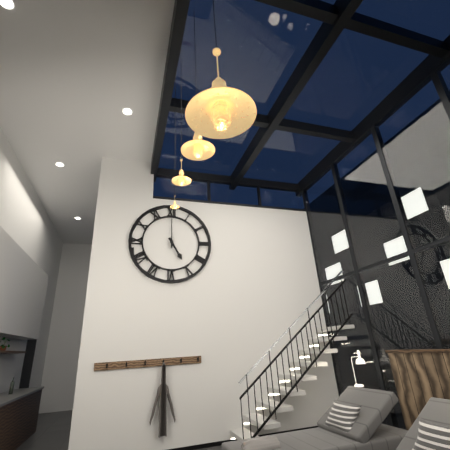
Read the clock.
5:00
